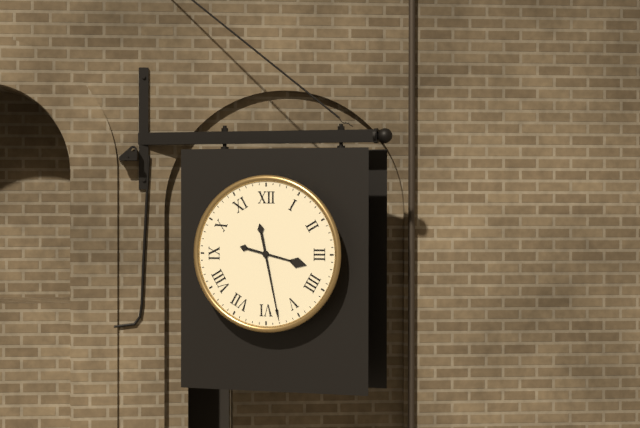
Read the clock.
3:28
